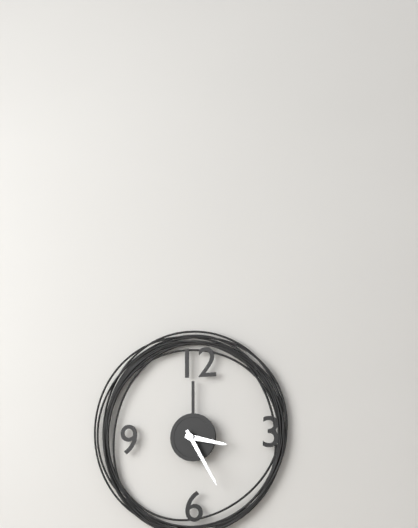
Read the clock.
3:25
